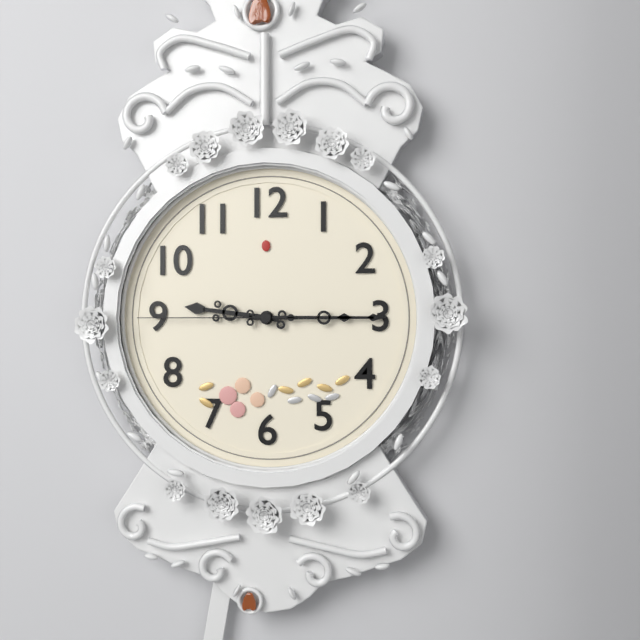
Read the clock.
9:15:45
